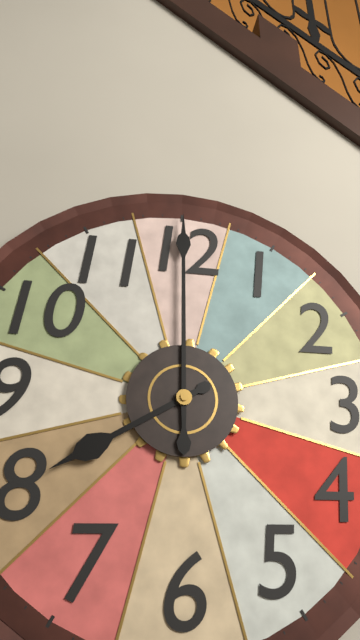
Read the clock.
8:00
